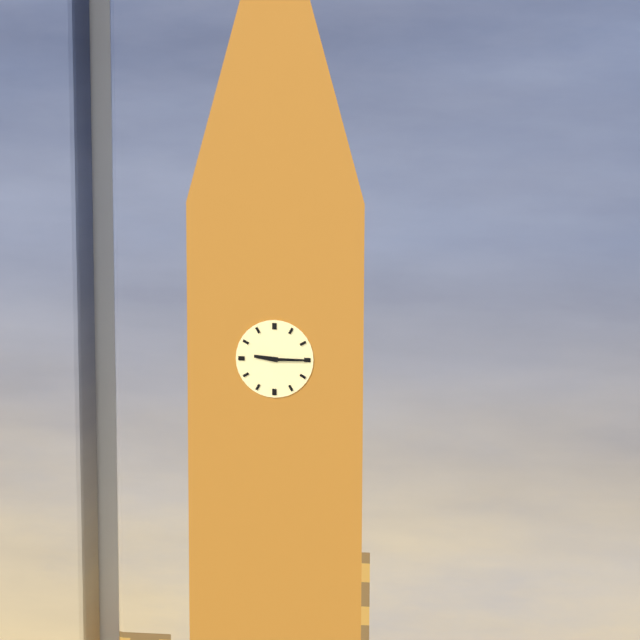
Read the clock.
9:15
